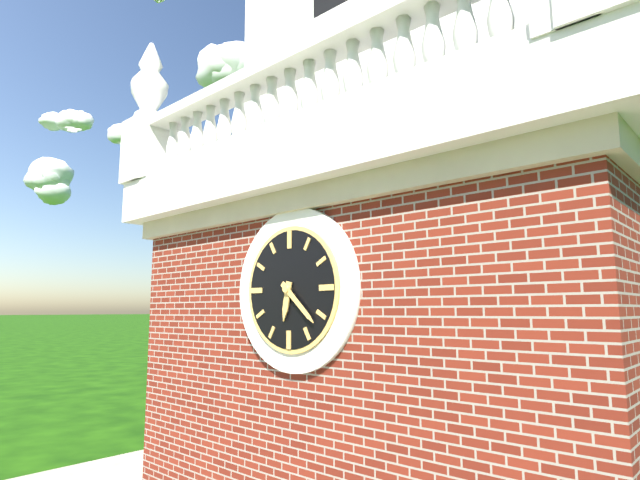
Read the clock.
6:22
